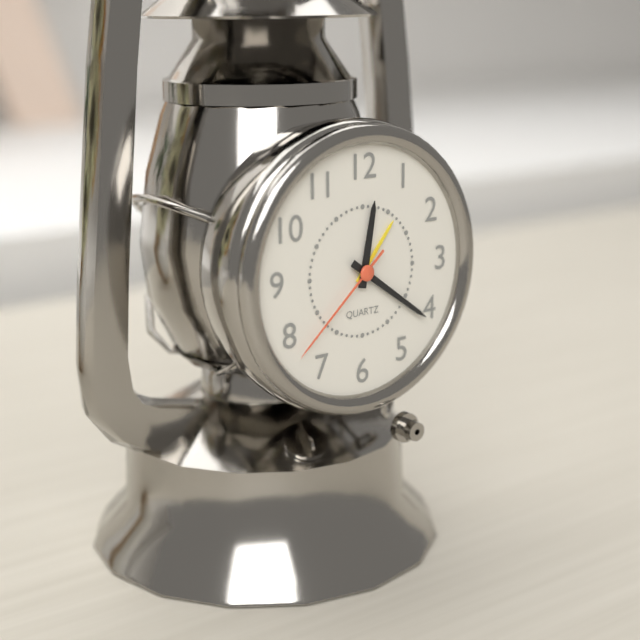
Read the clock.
12:21:38
